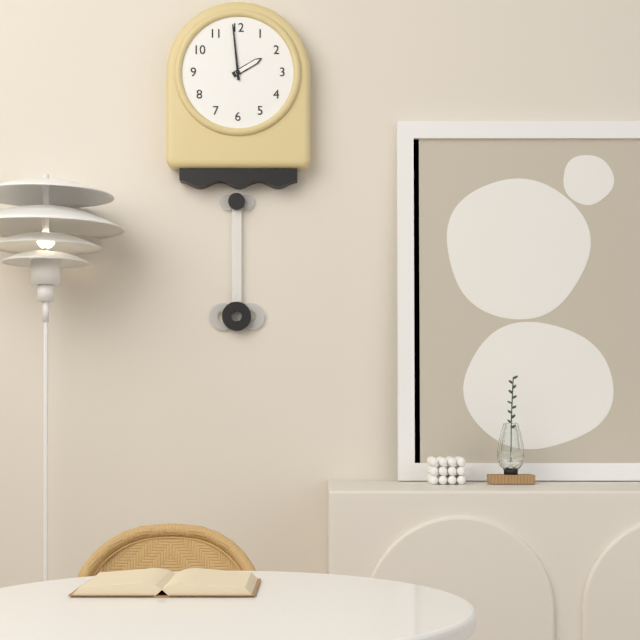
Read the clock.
1:59
